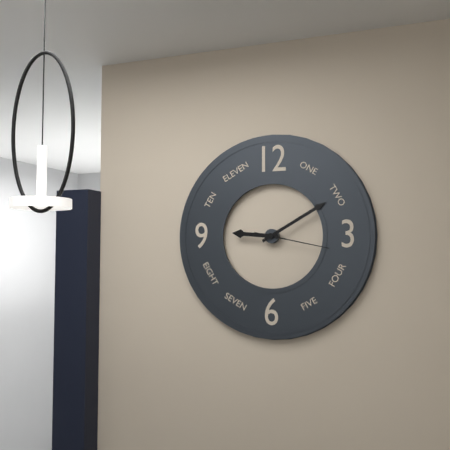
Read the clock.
9:10:17
